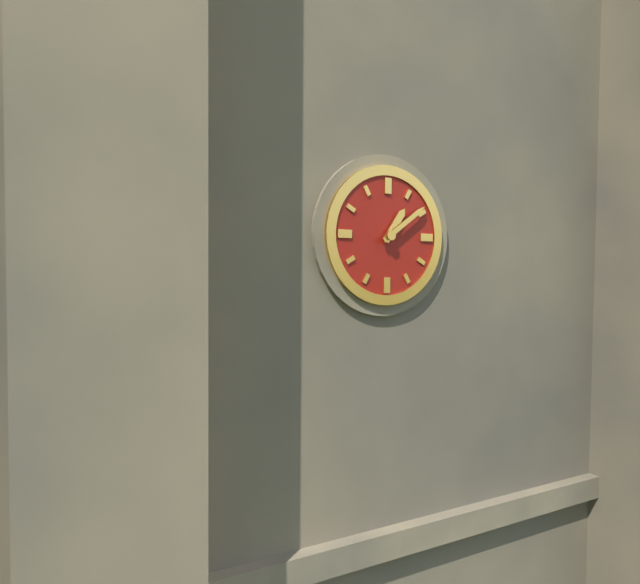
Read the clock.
1:09
